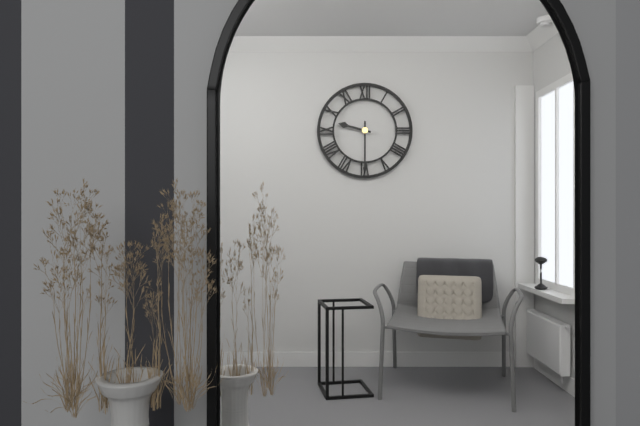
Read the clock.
9:30
